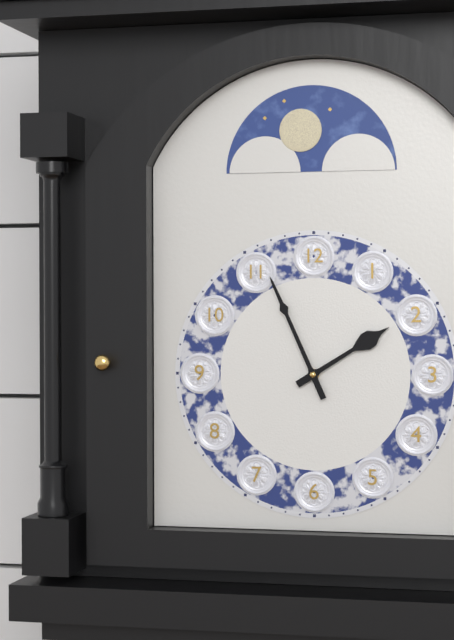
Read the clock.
1:56
